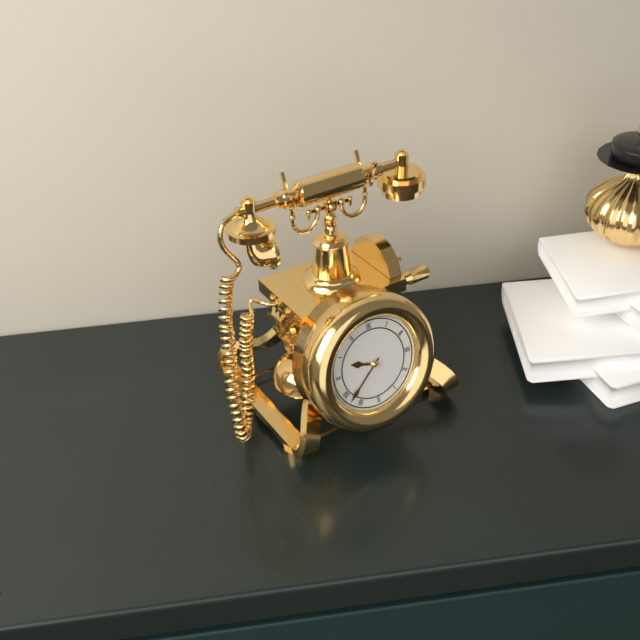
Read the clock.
9:38
